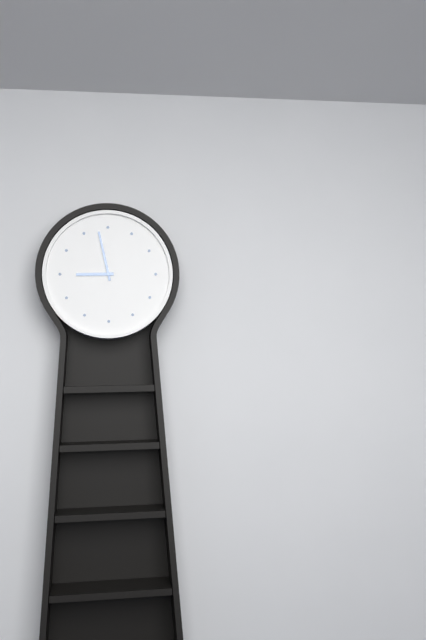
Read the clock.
8:58
